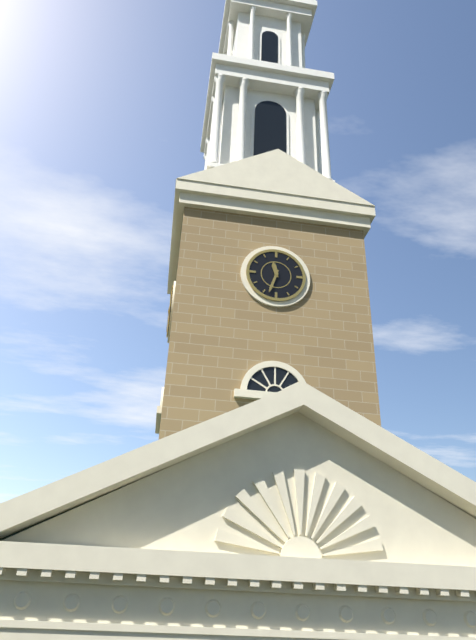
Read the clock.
11:33
